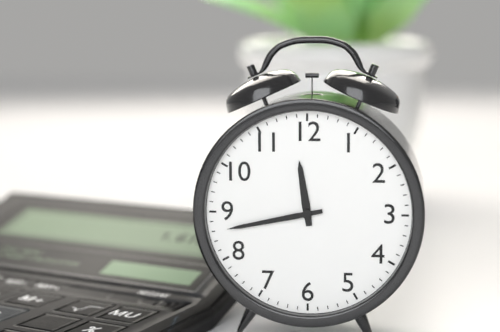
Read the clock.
11:43
